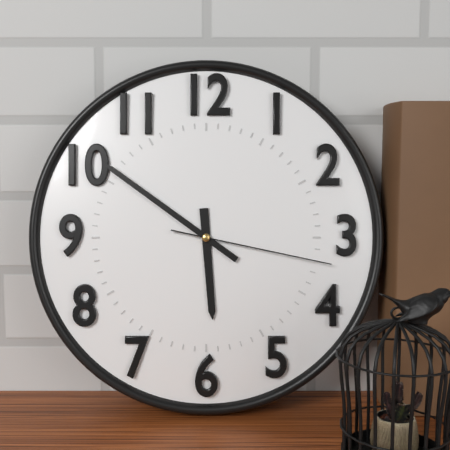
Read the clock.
5:51:17
